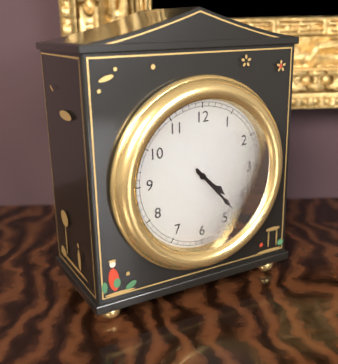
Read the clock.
4:23
